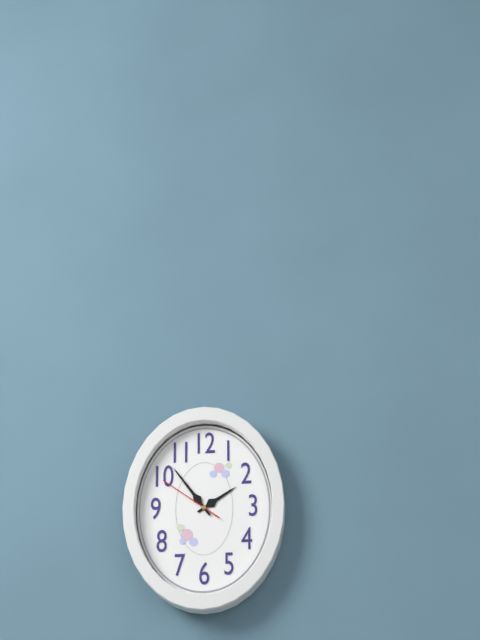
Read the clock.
1:54:51
